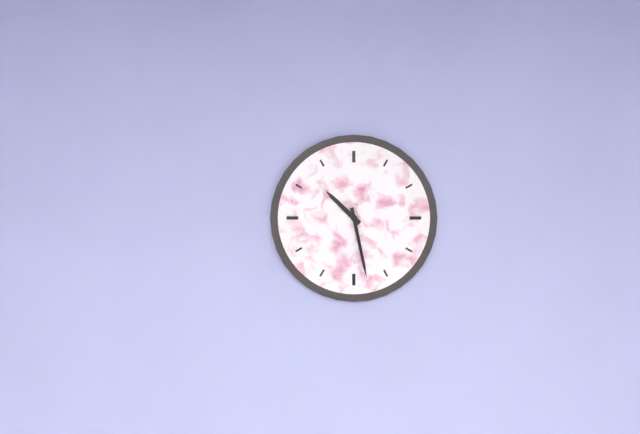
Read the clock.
10:28
